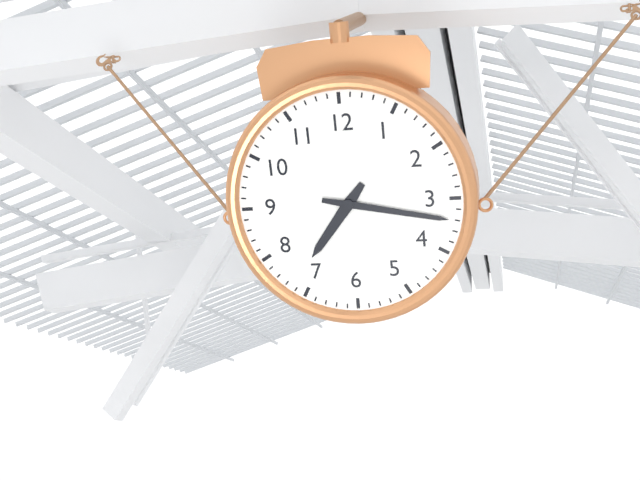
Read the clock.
7:17
